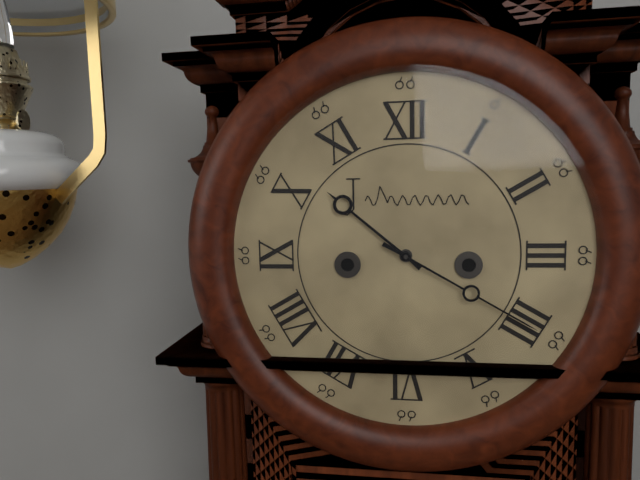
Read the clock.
10:20
